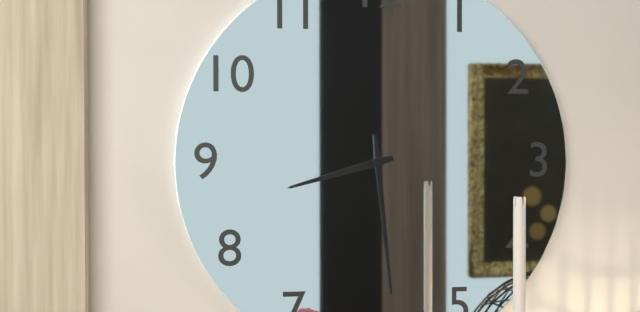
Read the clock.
8:29
